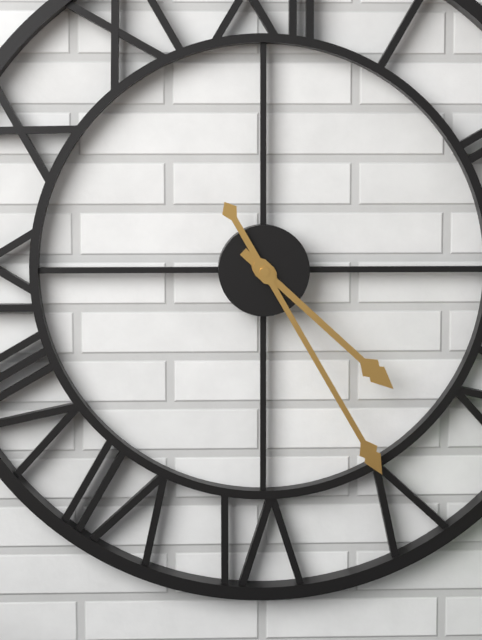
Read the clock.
4:25
